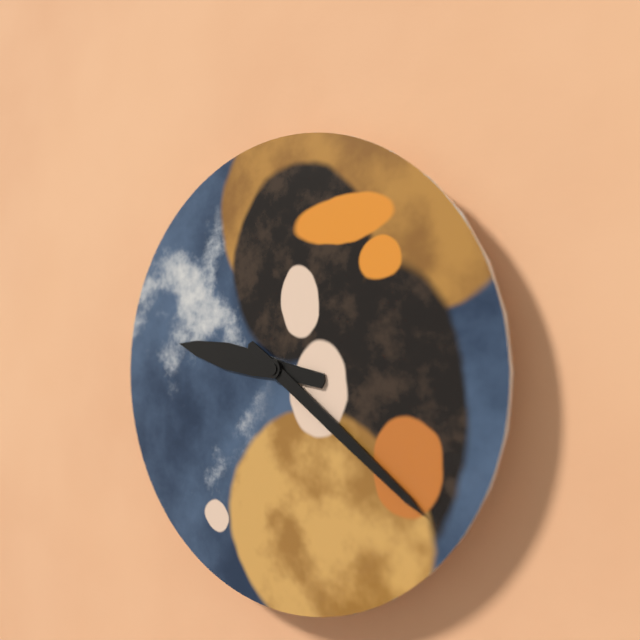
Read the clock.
9:21
